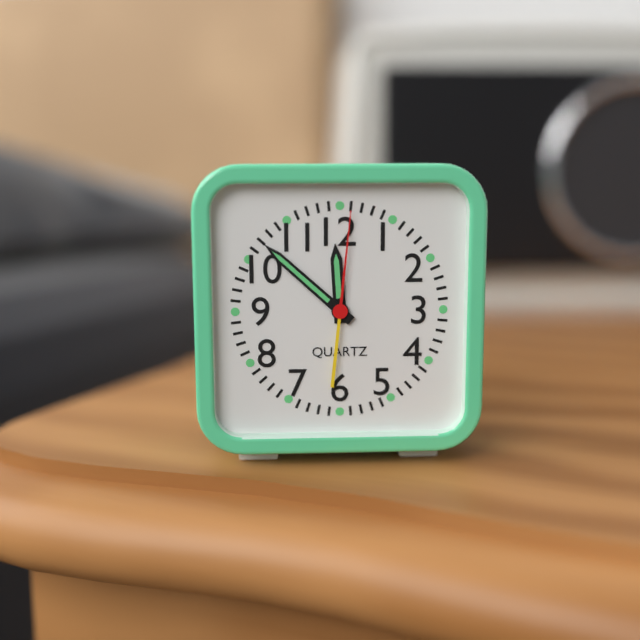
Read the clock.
11:52:01
